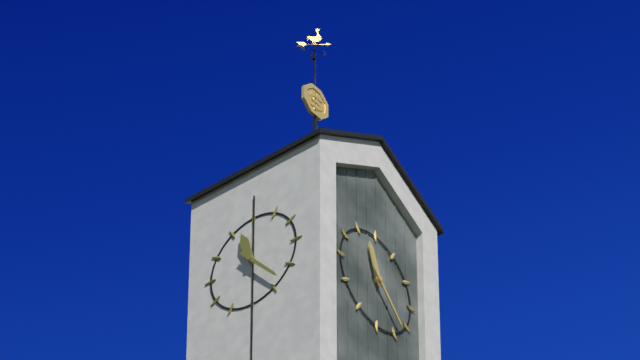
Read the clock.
11:23
